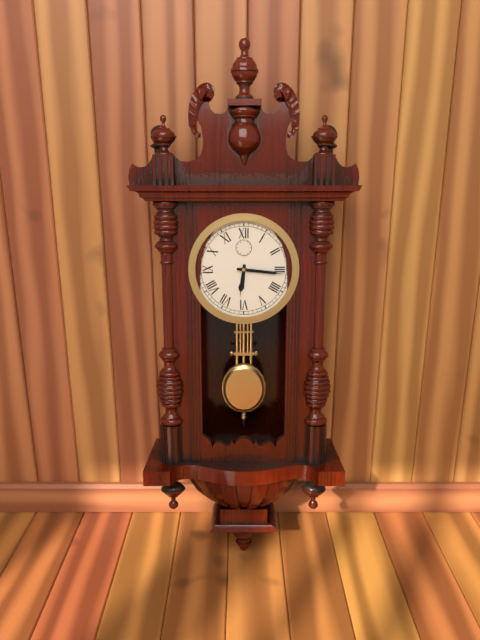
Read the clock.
6:16
